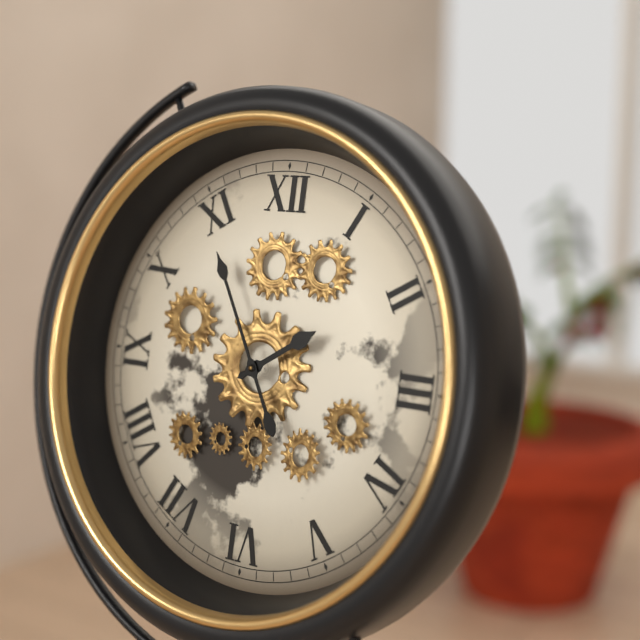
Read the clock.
1:55
